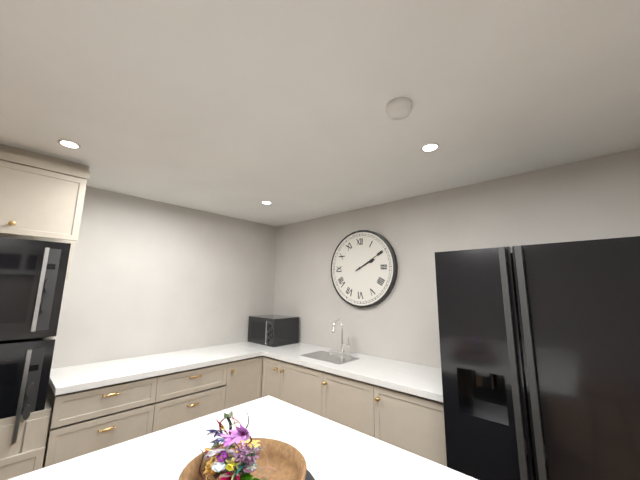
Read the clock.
2:10
